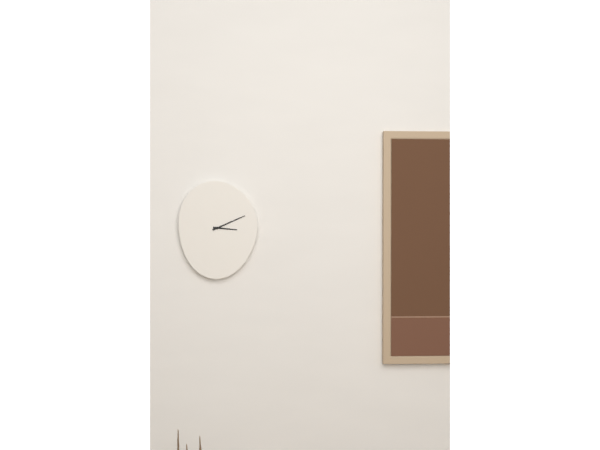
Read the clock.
3:11
